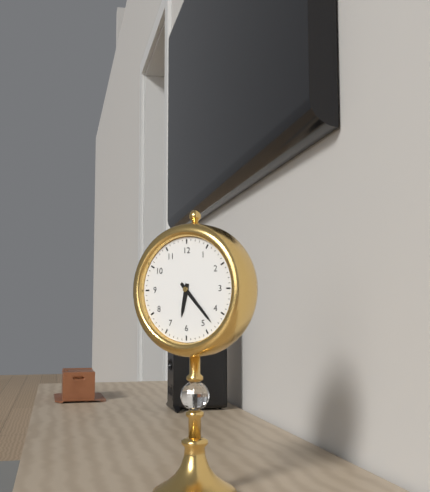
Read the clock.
6:23
